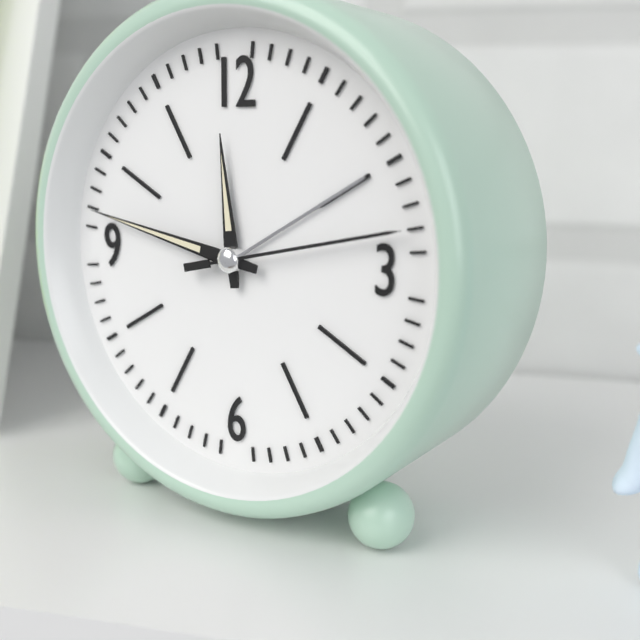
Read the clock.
11:47:13
